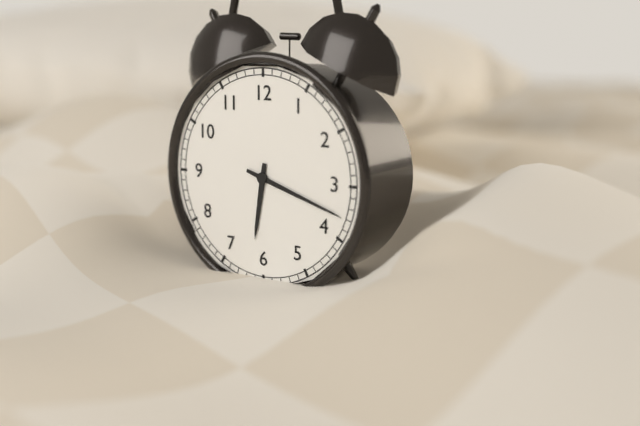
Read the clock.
6:18
